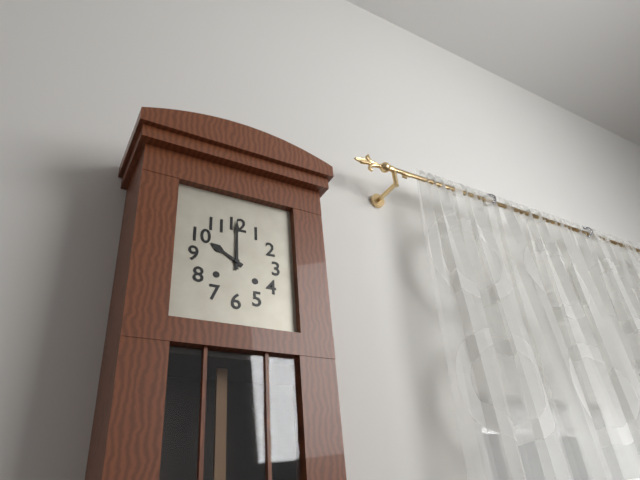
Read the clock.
10:00
